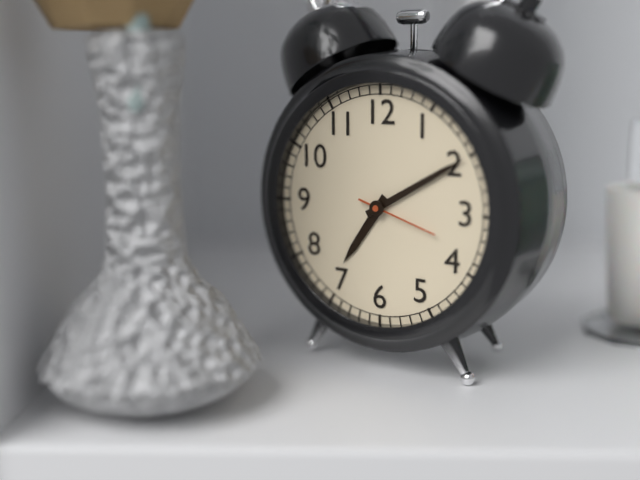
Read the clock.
7:10:18
